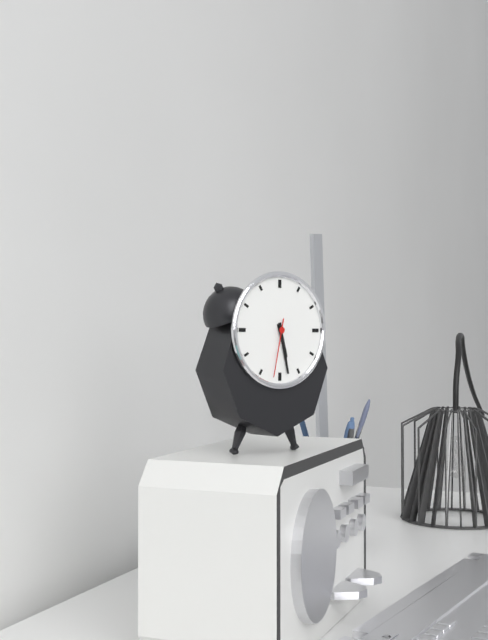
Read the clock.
5:28:32
